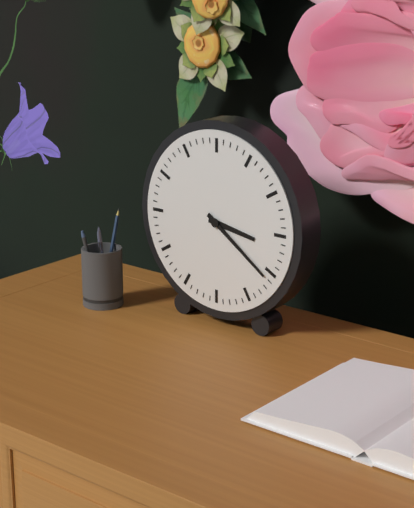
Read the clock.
3:21
